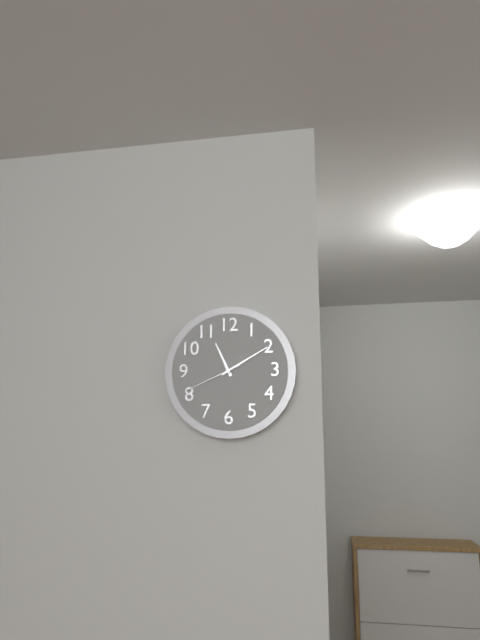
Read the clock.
11:10:41
